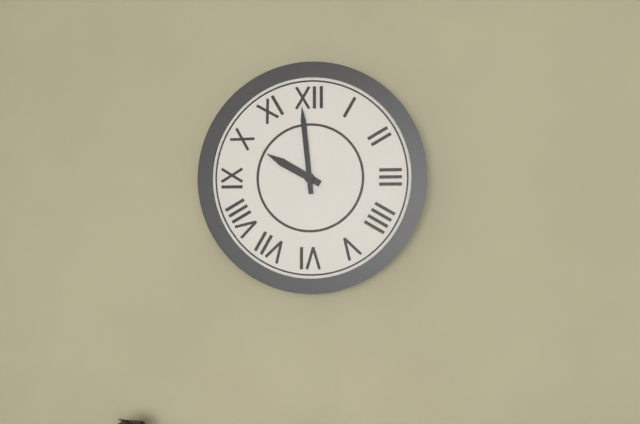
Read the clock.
9:59
